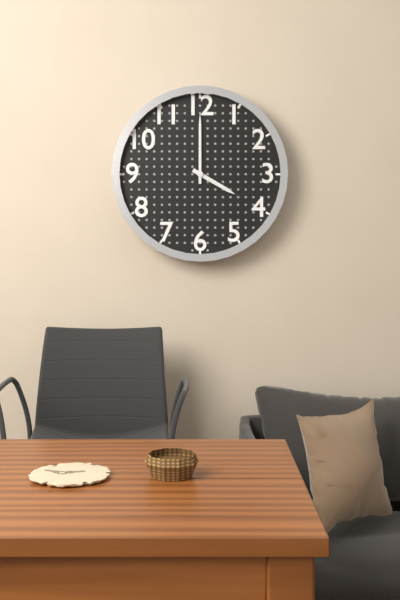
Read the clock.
4:00
